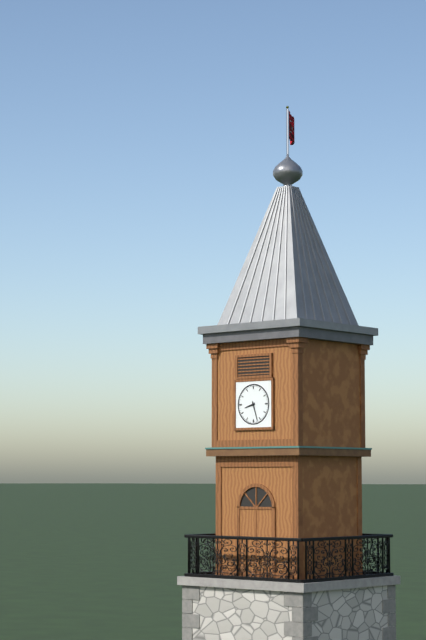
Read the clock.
8:27
